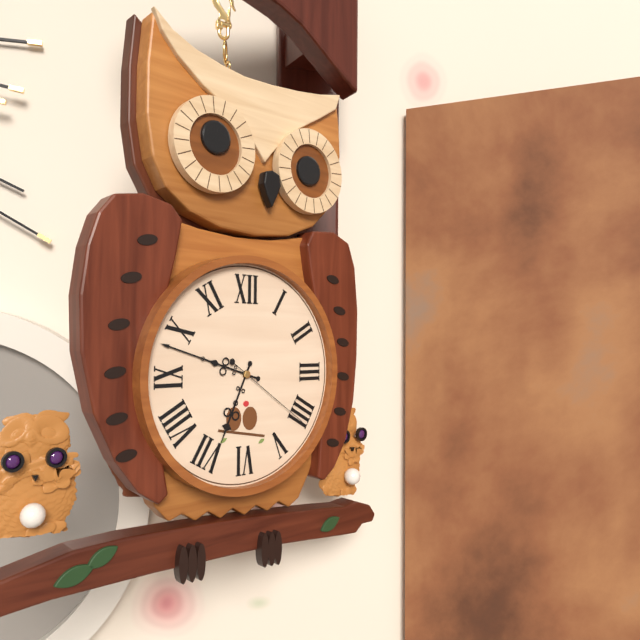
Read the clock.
6:48:21
